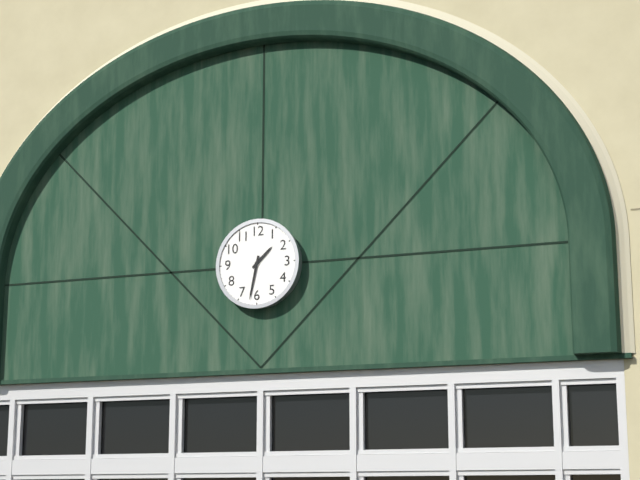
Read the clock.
1:32
